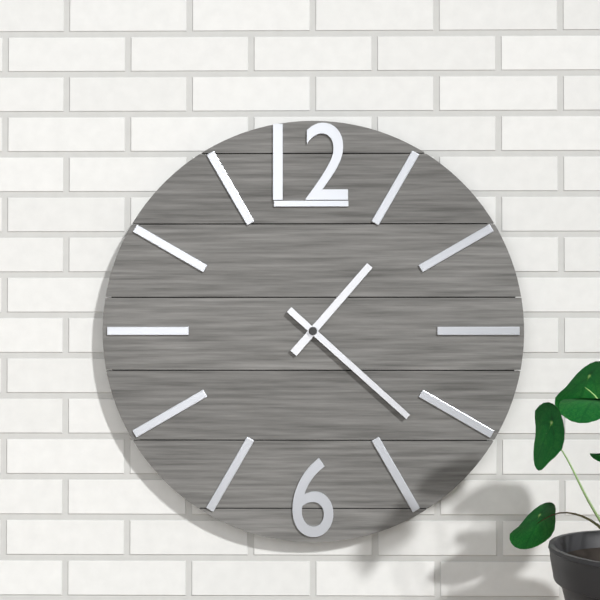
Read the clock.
1:22
